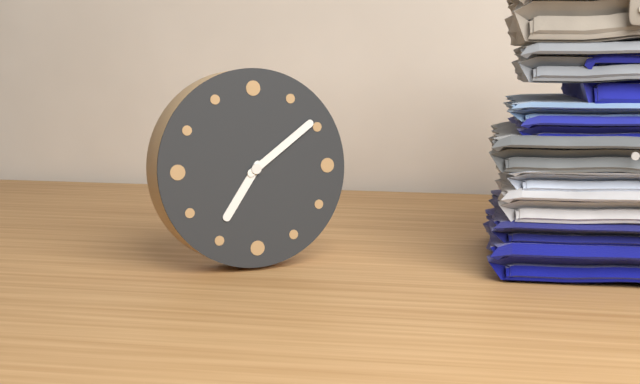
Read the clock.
7:09
